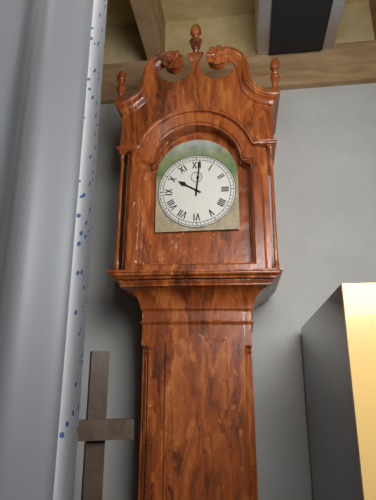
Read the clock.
10:01
